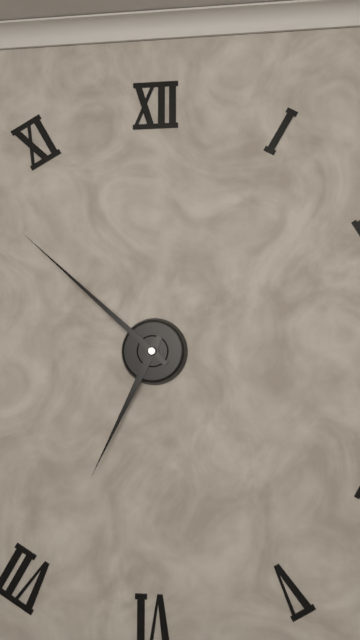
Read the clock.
6:52
